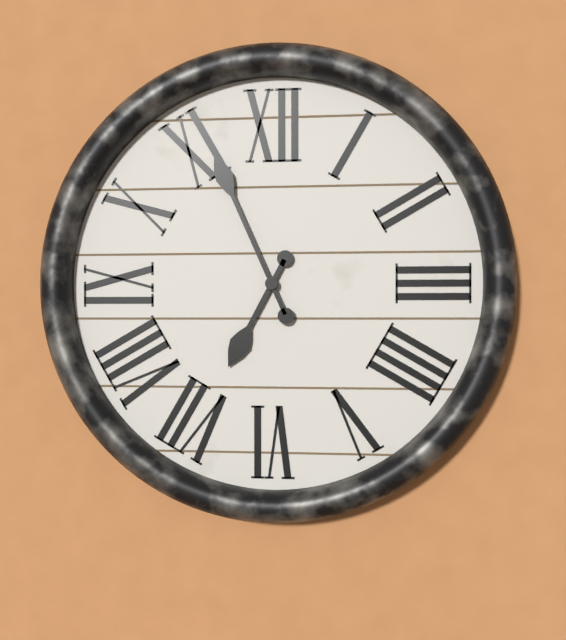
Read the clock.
6:56
